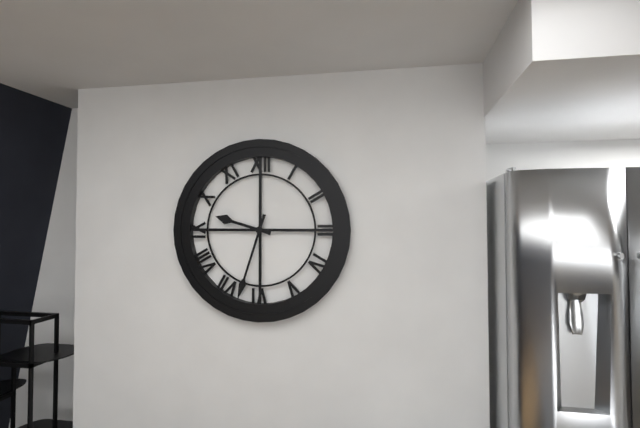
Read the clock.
9:33
